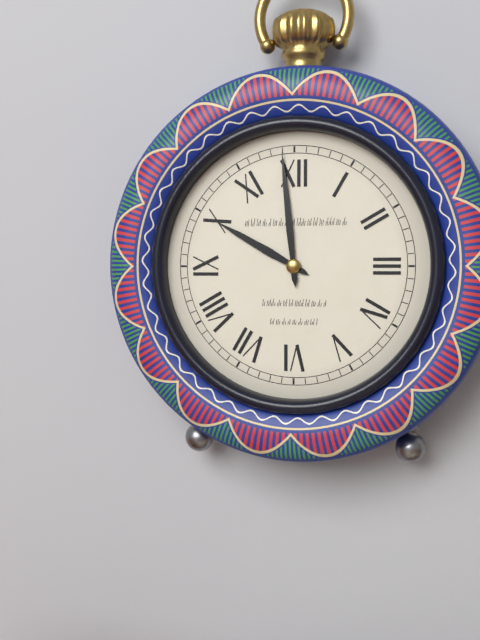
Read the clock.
9:59
